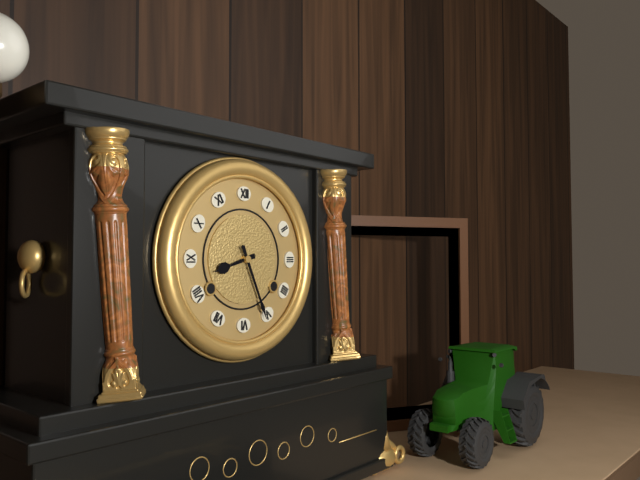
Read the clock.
8:26
